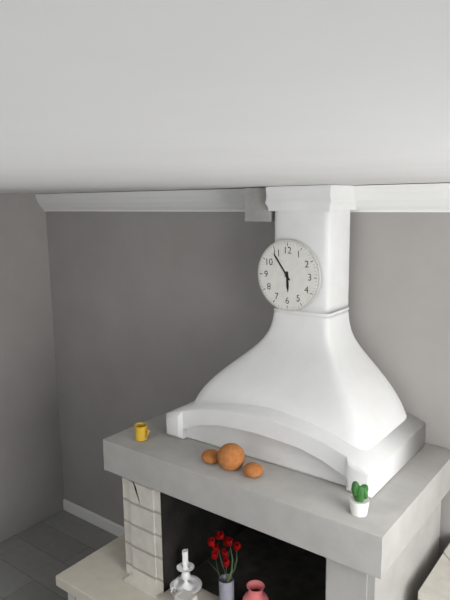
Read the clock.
5:54
